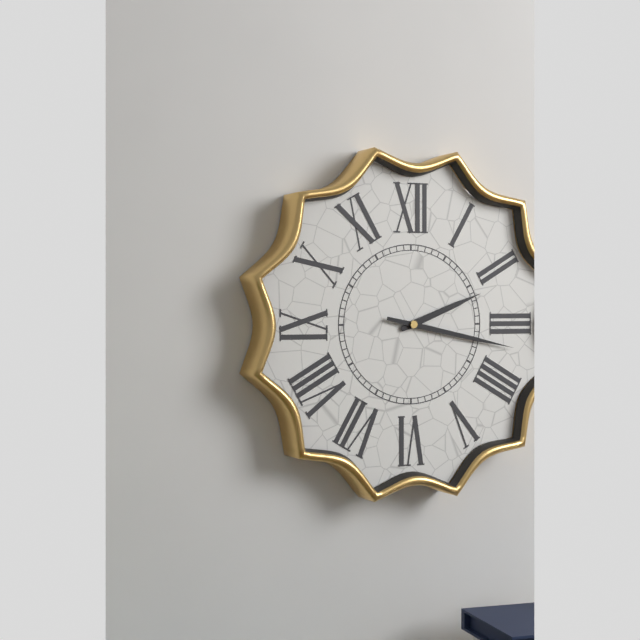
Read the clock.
2:17
